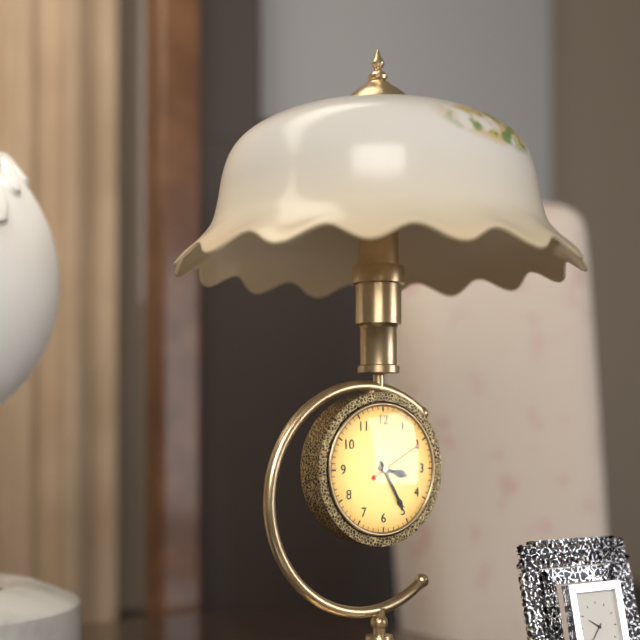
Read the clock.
3:25:10
